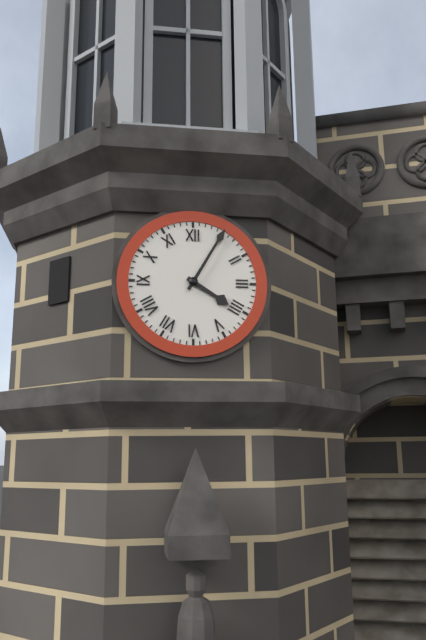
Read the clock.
4:05
